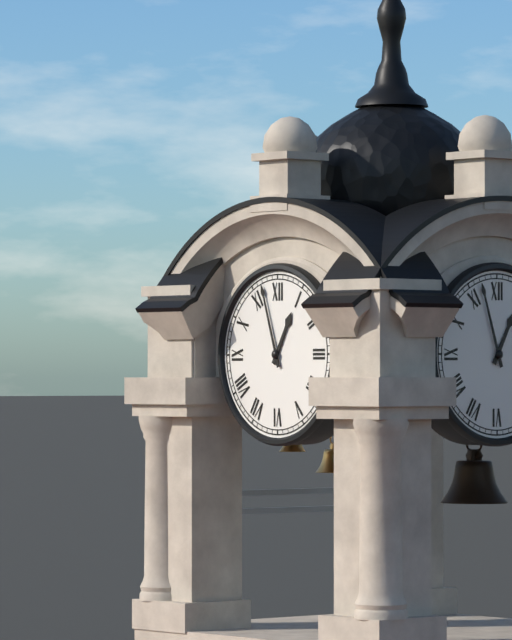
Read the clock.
12:57
